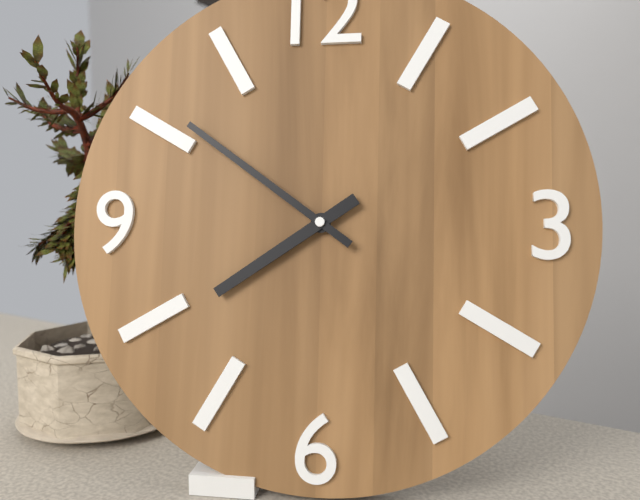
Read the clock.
7:51
